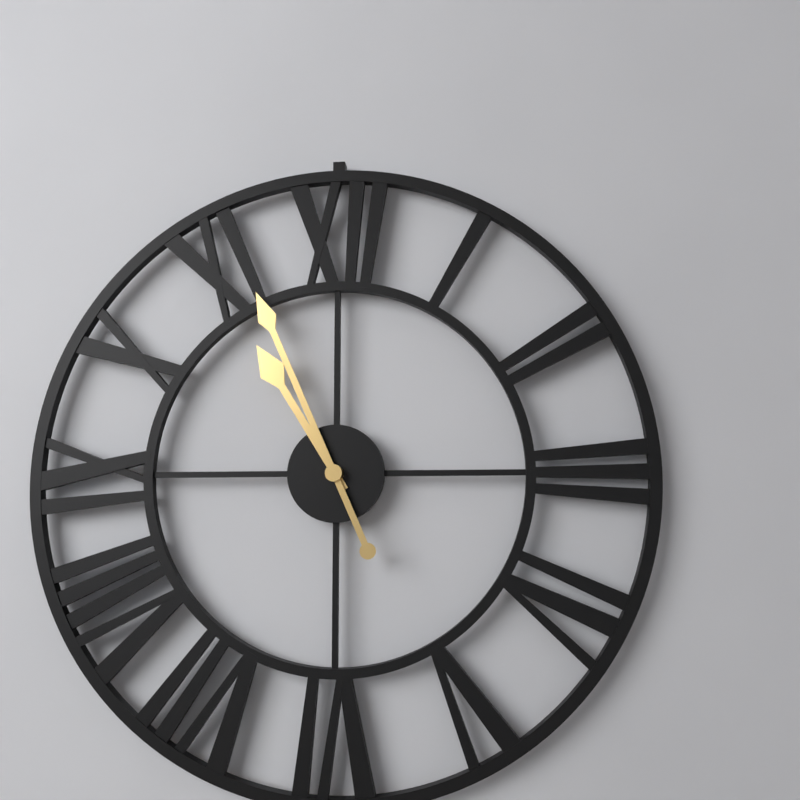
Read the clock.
10:56
